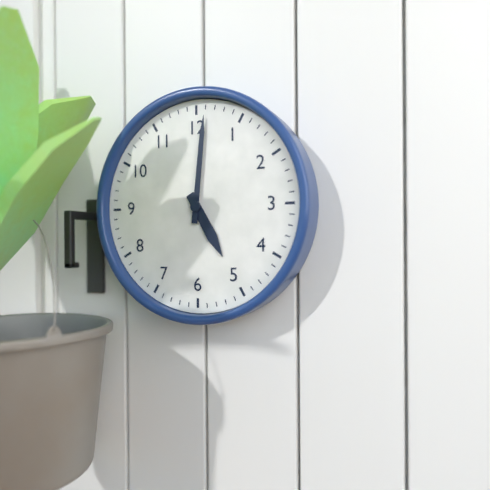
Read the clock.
5:01
